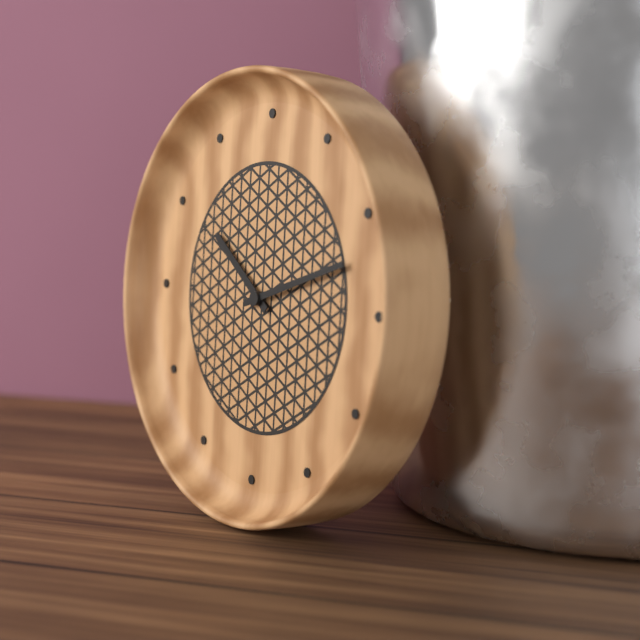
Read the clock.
10:12
